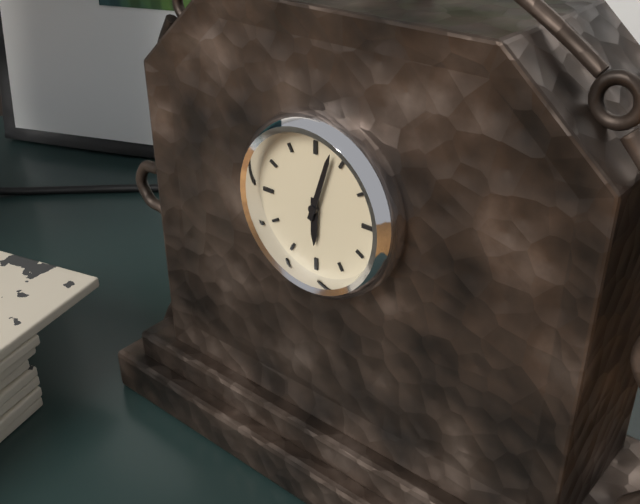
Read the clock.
6:03
